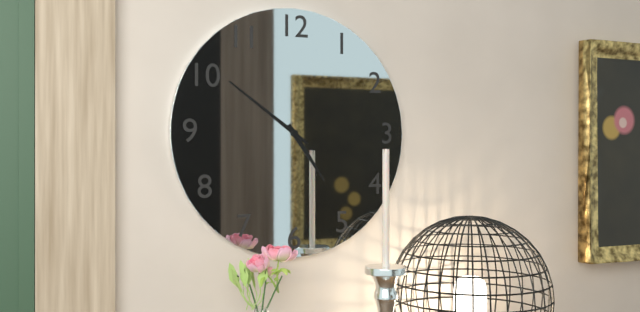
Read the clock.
4:51
